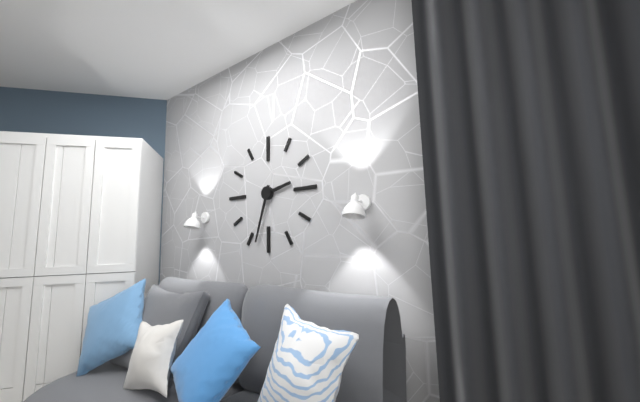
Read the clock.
2:33
